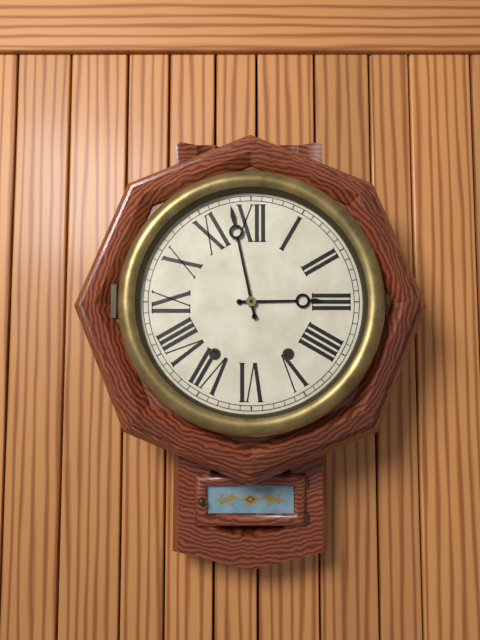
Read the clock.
2:58
